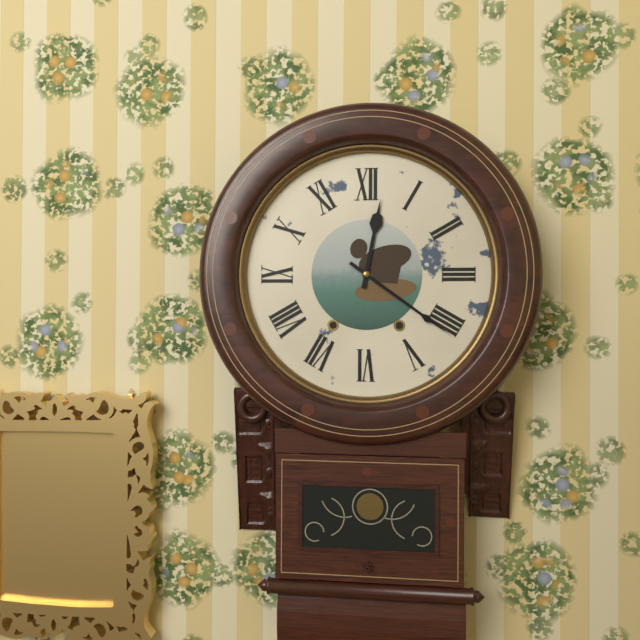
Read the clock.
12:21
